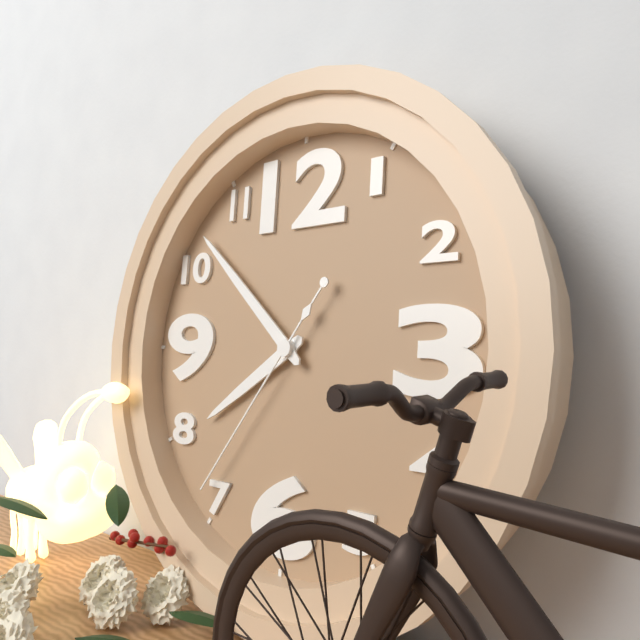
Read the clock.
7:52:36
